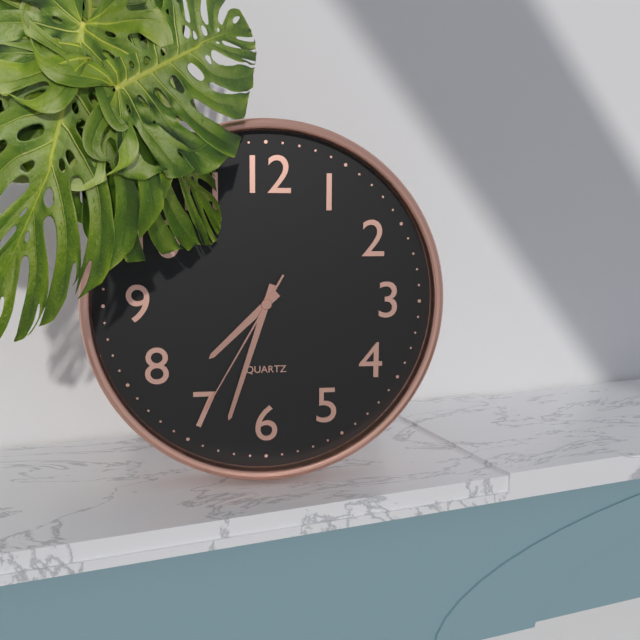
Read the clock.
7:33:35
